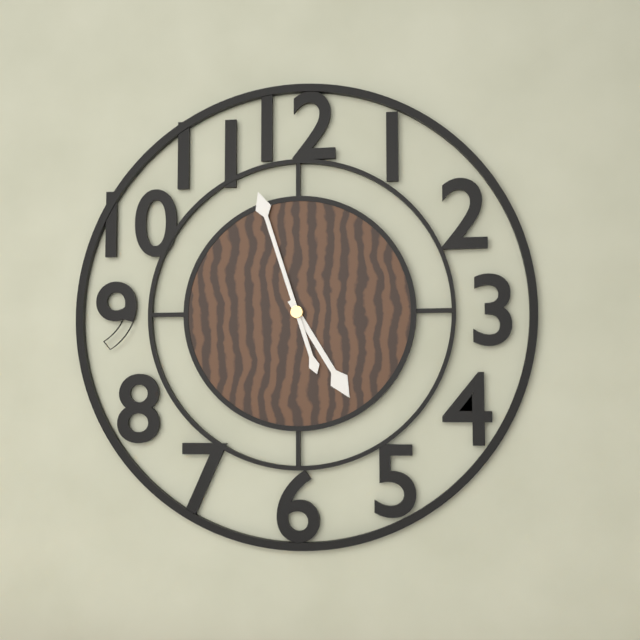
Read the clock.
4:57
